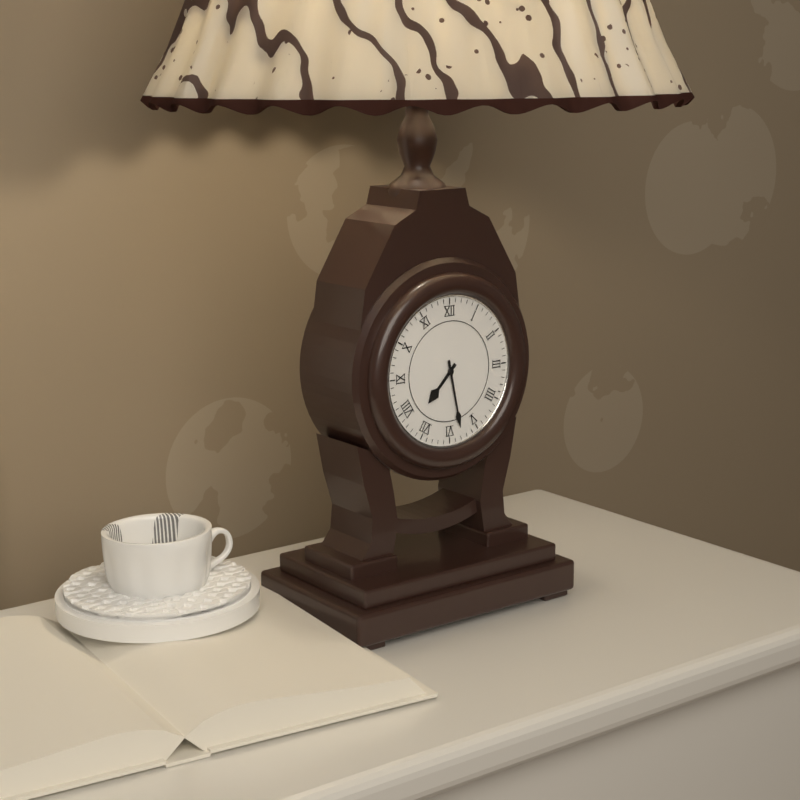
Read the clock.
7:28
